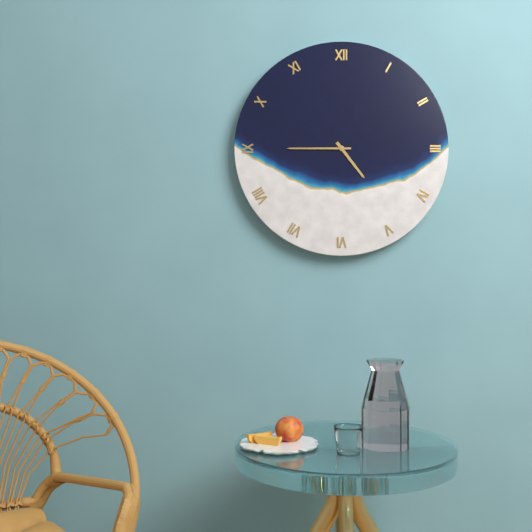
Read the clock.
4:45
